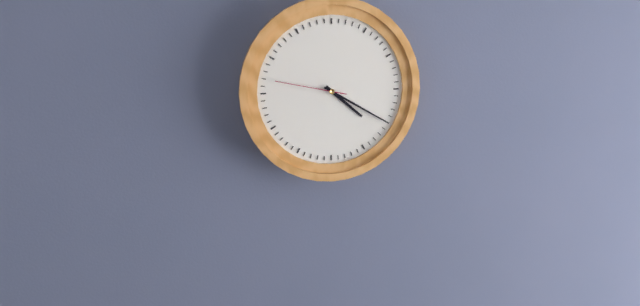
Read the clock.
4:20:47
